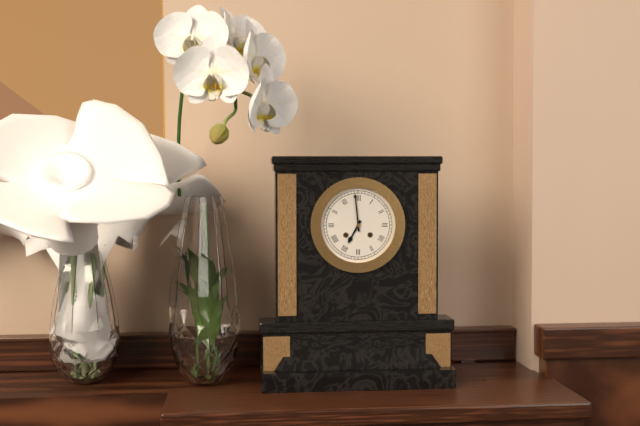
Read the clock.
6:59
